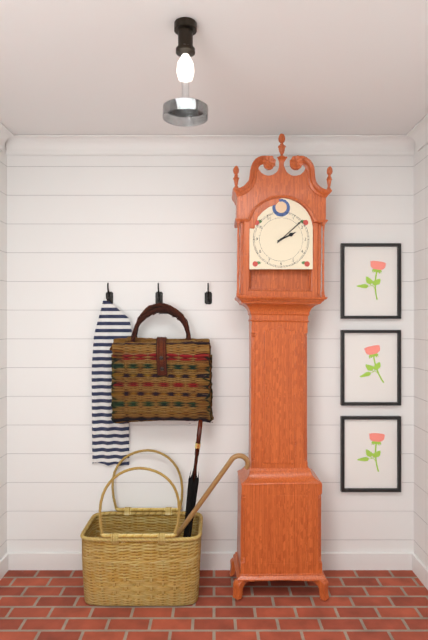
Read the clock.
2:08
